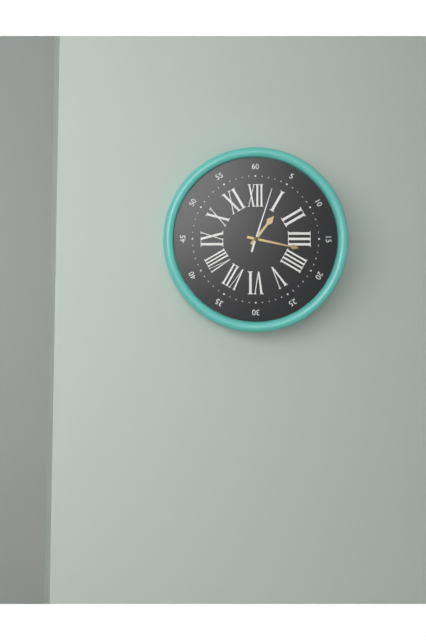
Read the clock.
1:17:03
